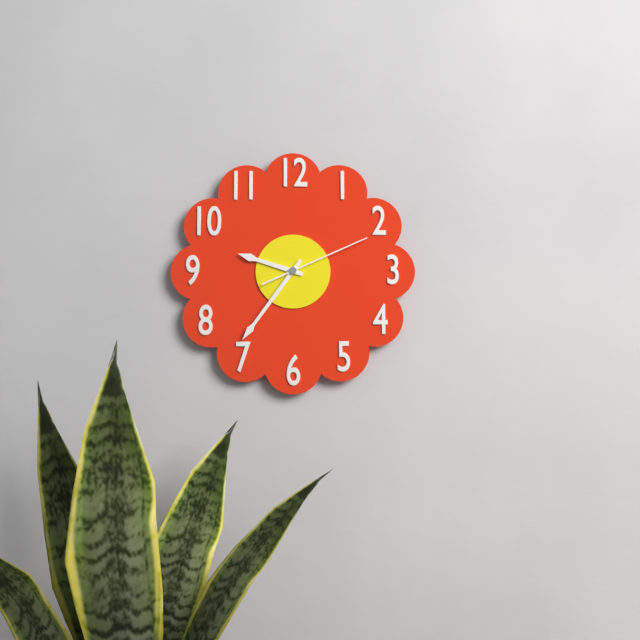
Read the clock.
9:36:11
